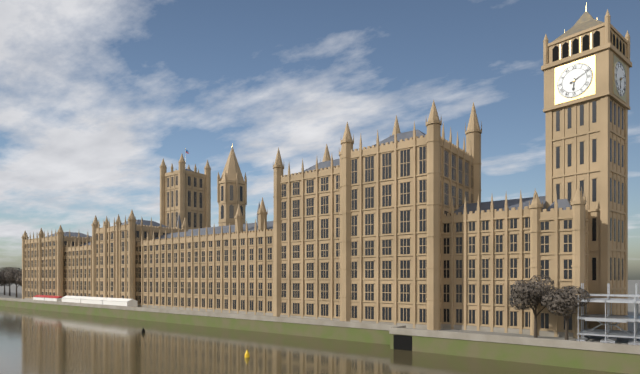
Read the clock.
6:11
